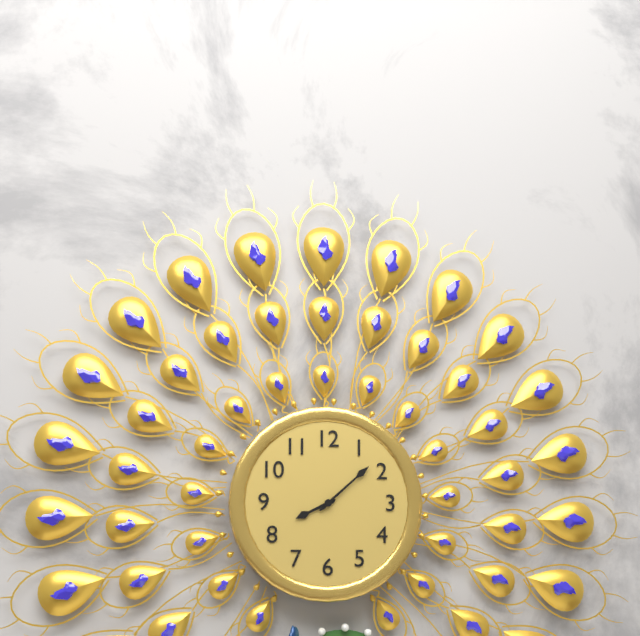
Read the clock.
8:08
